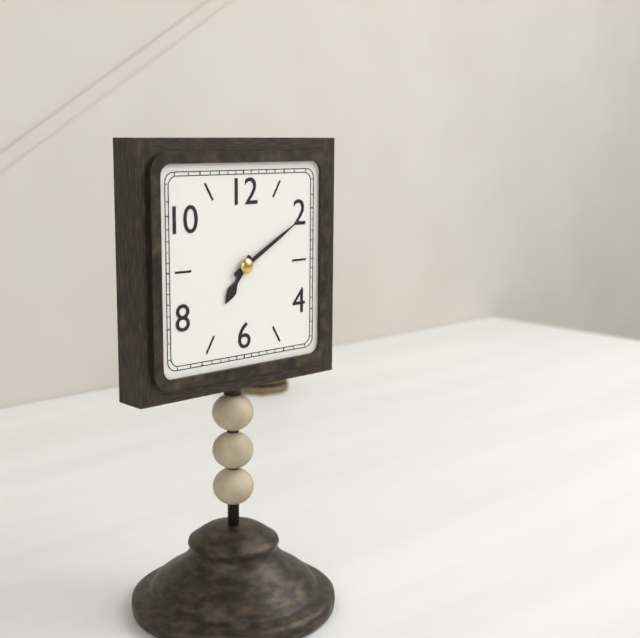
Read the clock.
7:10
